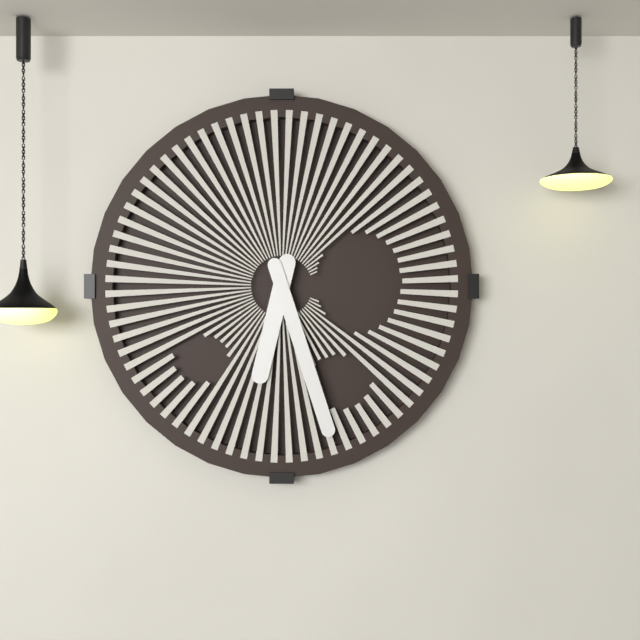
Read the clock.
6:27
